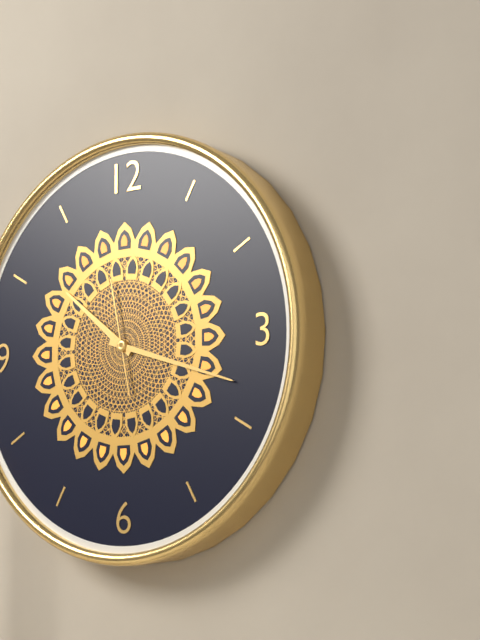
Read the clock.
10:18:58
